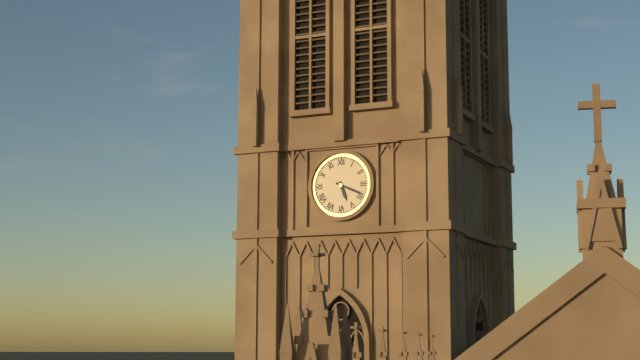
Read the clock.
5:19
